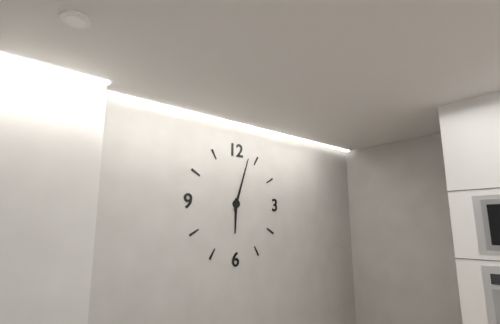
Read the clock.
6:03
